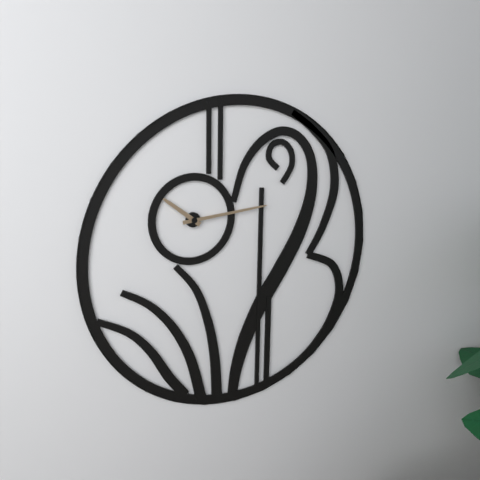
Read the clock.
10:14
